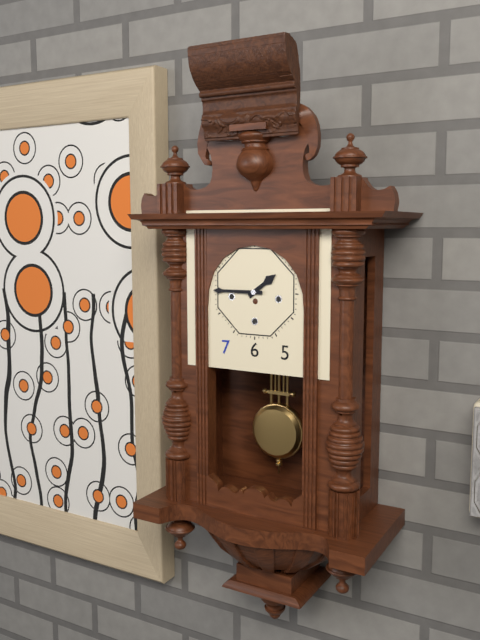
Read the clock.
1:45
